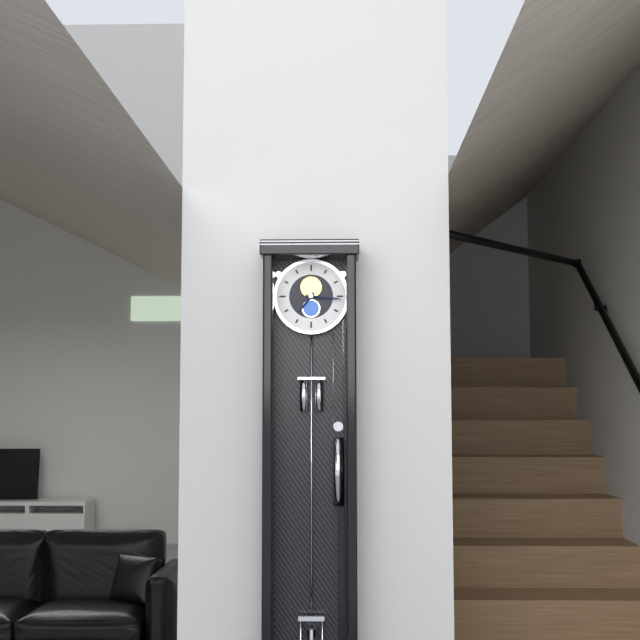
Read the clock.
7:16
